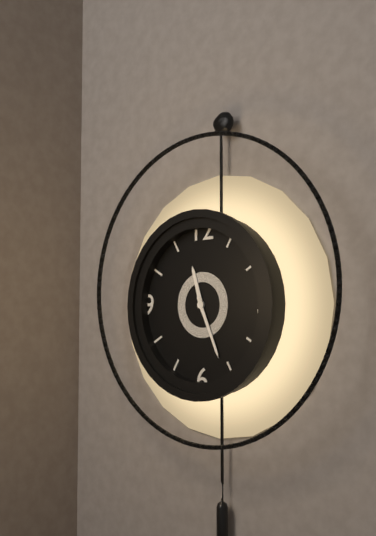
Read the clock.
11:26
